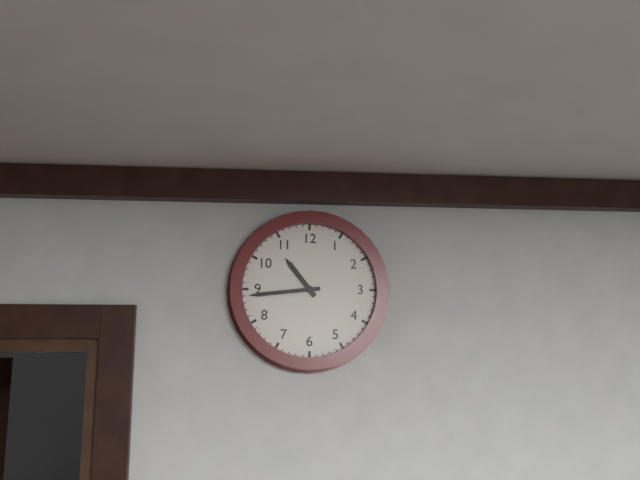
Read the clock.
10:44
